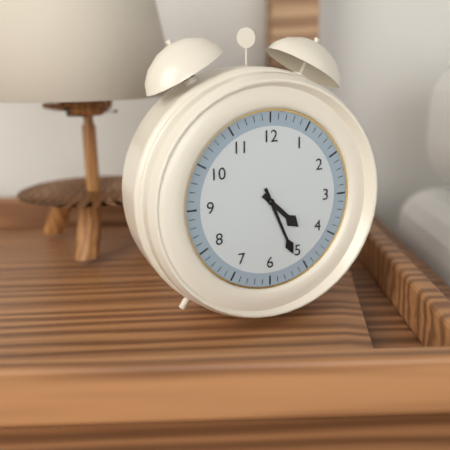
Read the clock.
4:26
